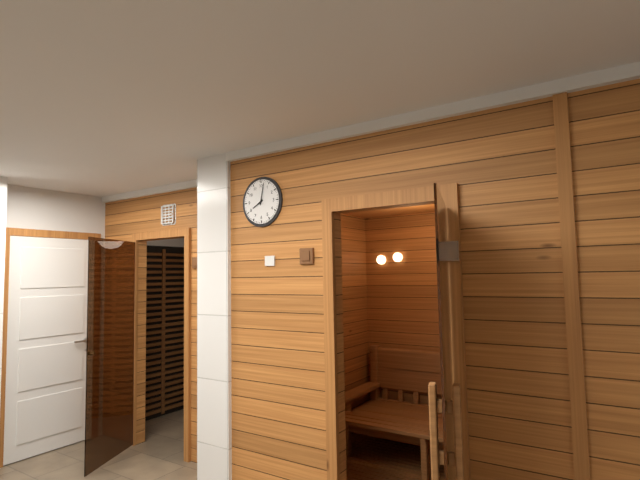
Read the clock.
8:02
